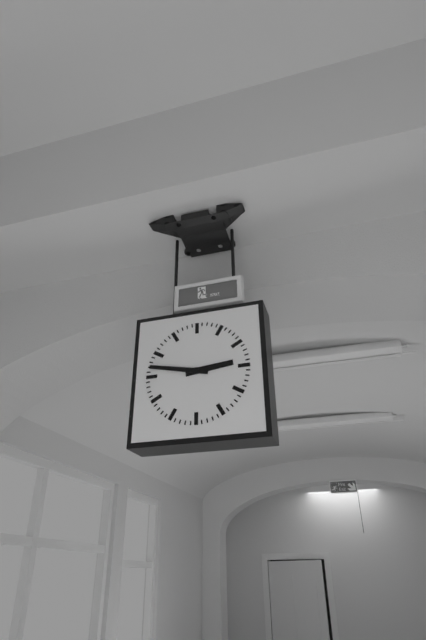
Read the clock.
2:47
